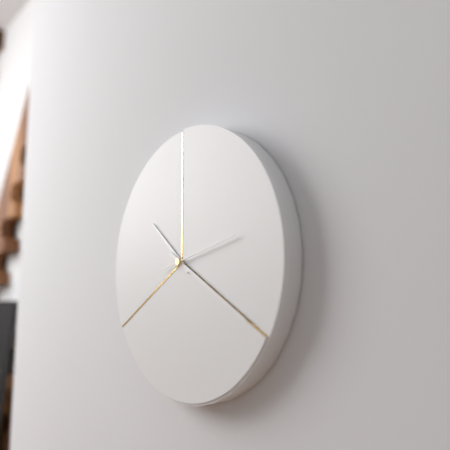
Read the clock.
10:20:13
